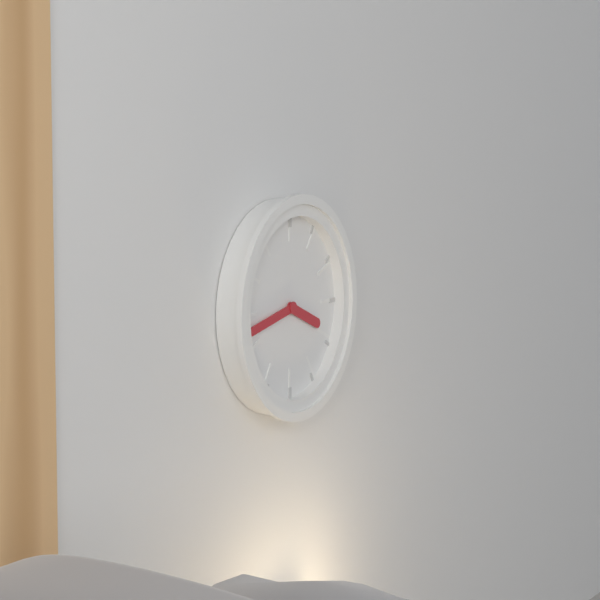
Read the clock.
3:43
